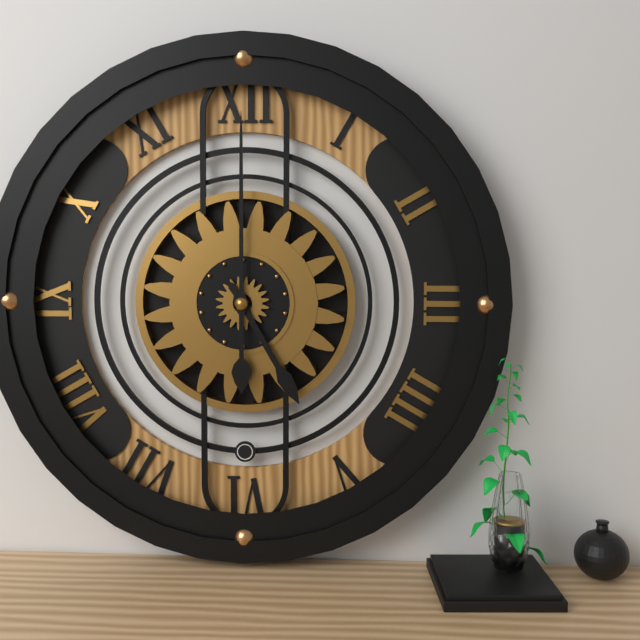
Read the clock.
5:00
